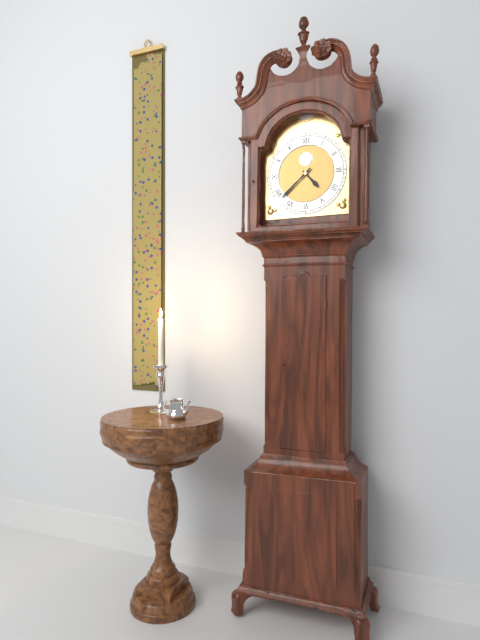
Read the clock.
4:38
